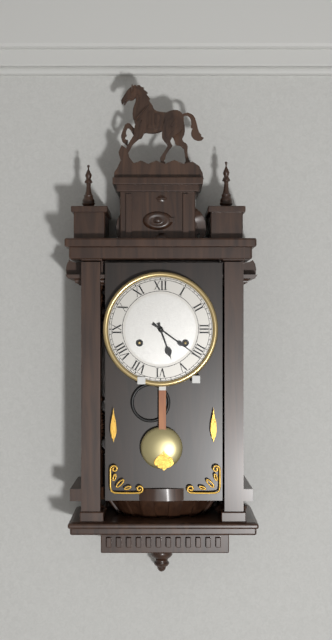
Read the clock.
5:21
